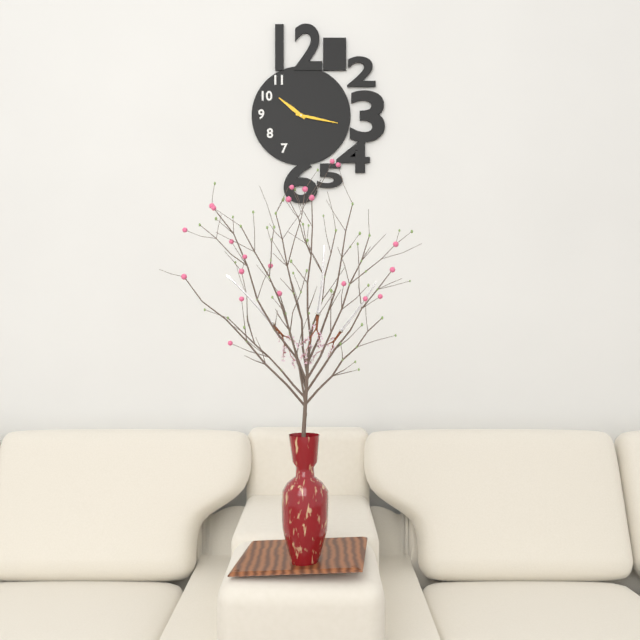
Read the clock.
10:17
